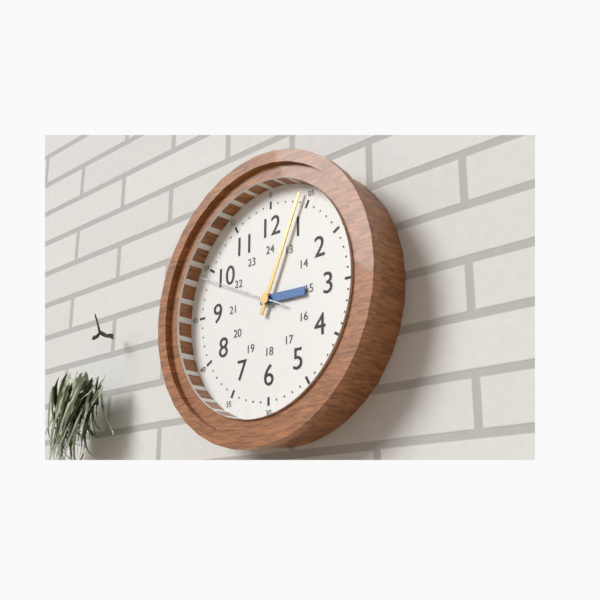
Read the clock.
3:04:49
